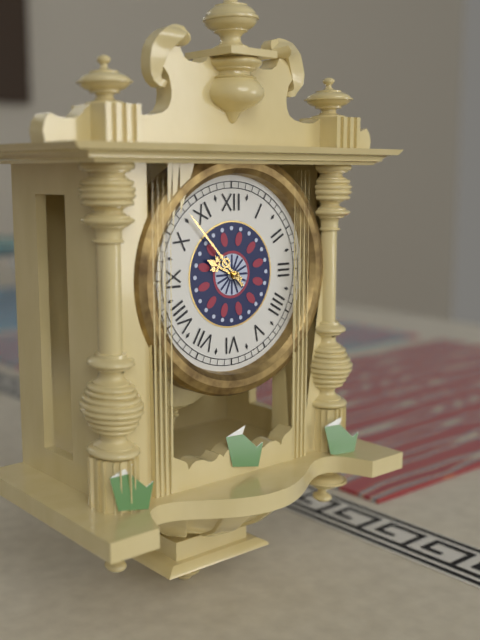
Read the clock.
9:53
